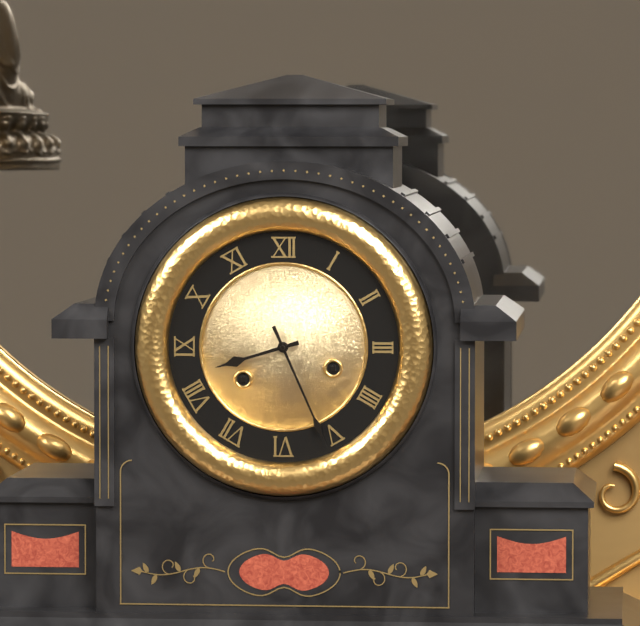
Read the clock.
8:26
